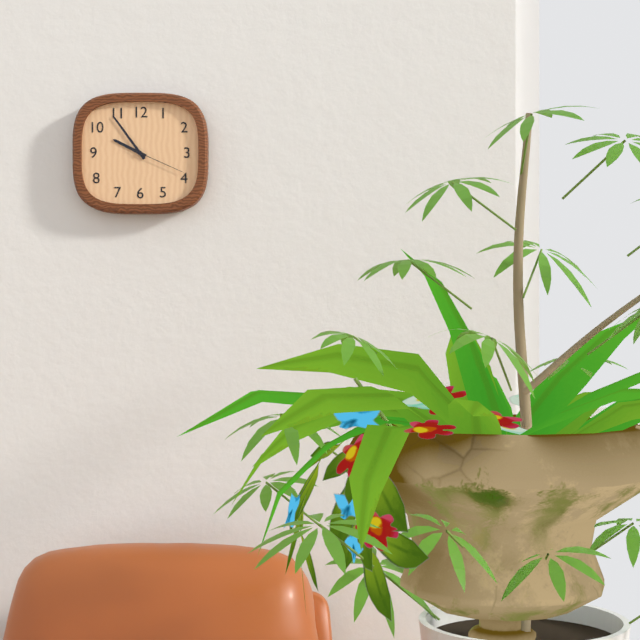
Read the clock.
9:54:19
